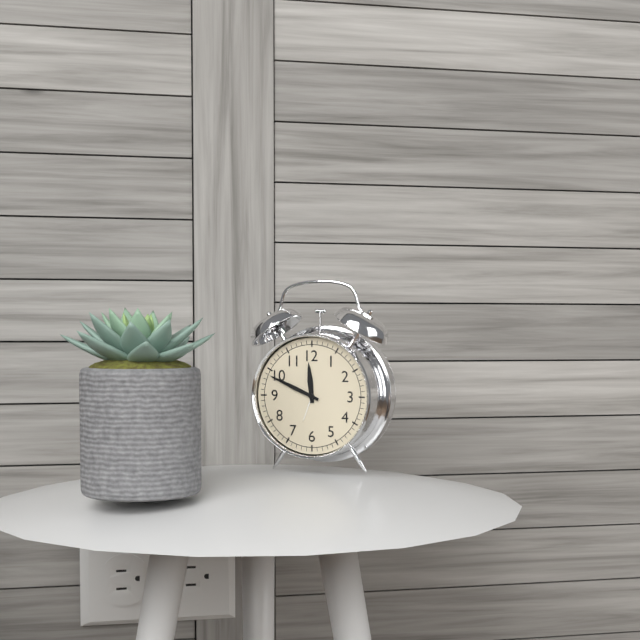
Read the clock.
11:49
